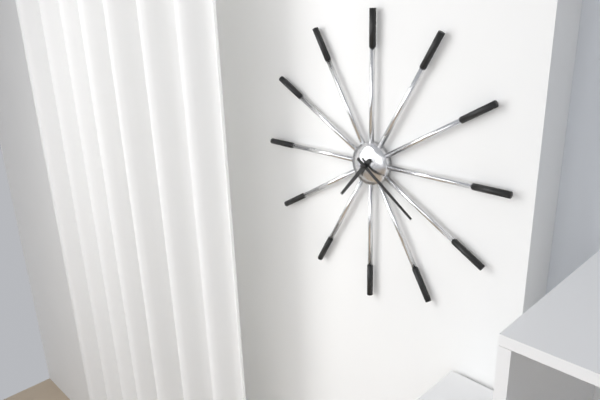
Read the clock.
7:21
